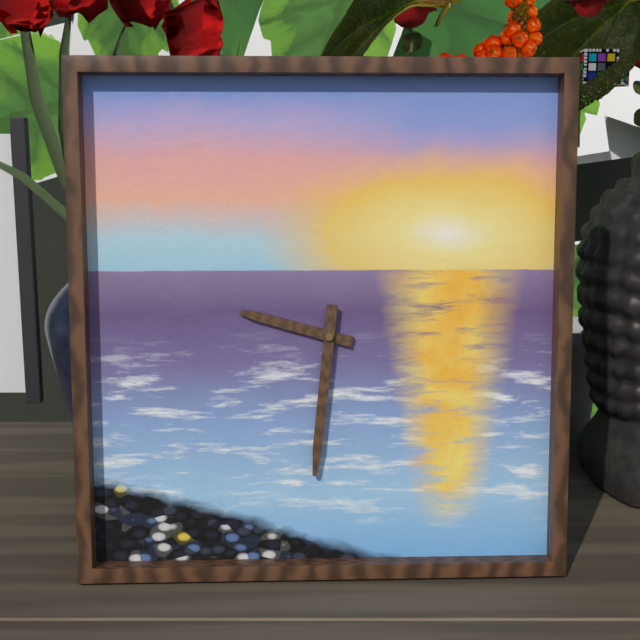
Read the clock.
9:31
